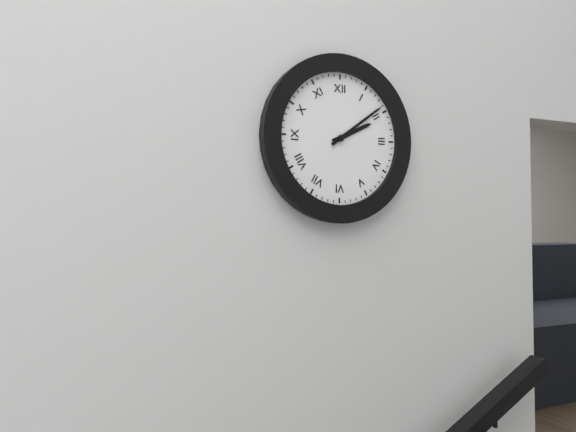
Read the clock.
2:09
